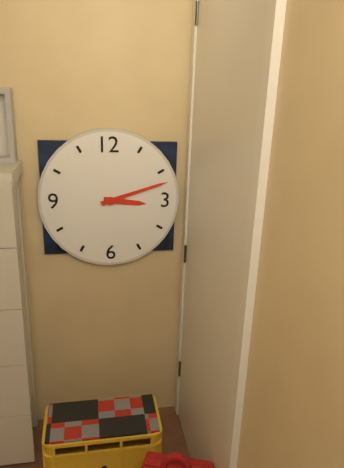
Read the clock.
3:12
